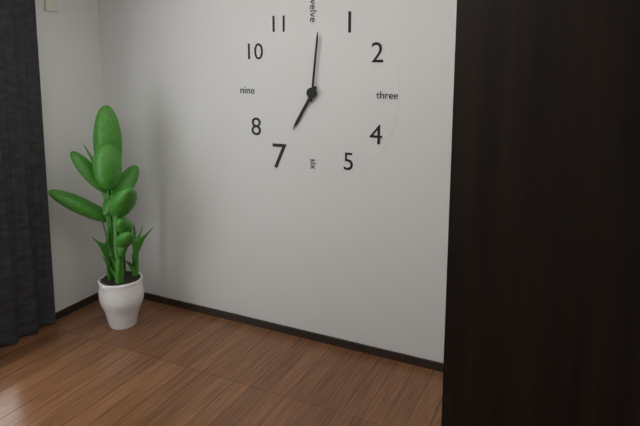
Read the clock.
7:01
